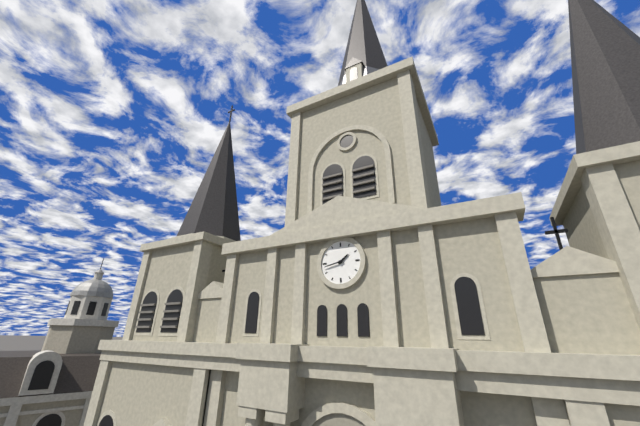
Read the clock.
1:43
